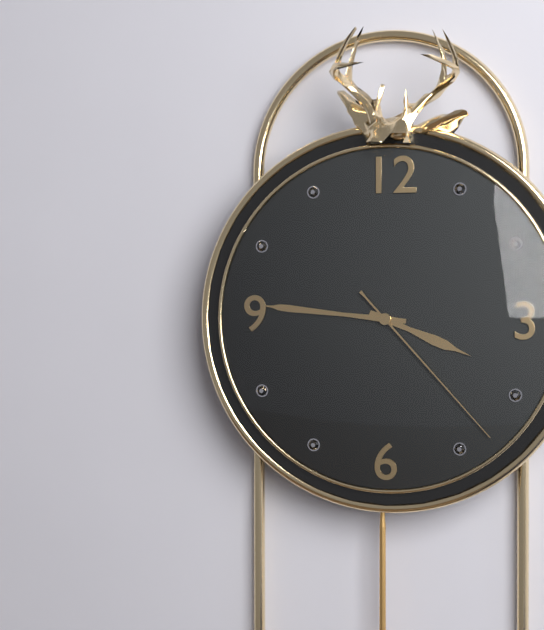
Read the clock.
3:46:23
